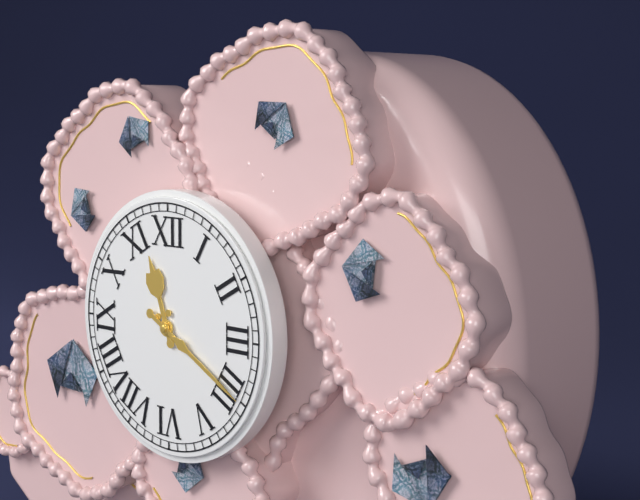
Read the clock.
11:20
